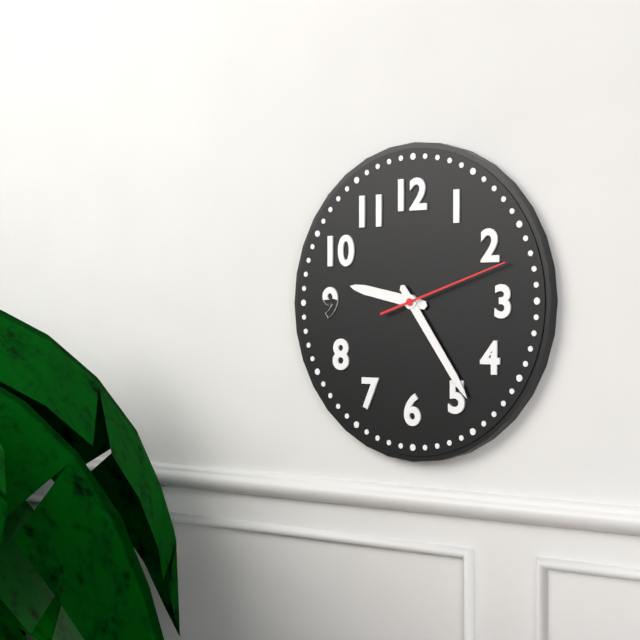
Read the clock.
9:24:12
